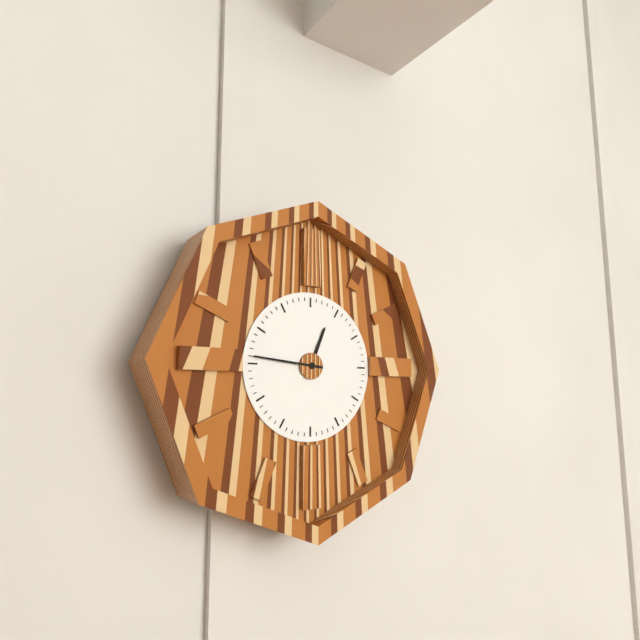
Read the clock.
12:46
